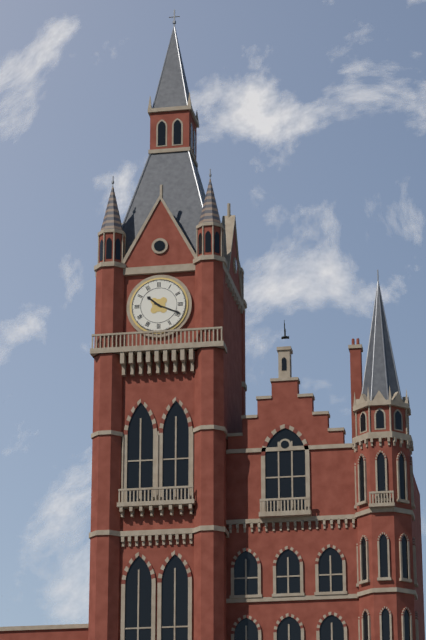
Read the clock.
10:19
